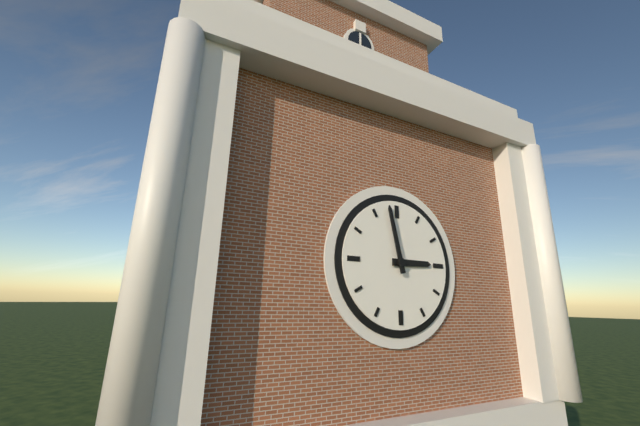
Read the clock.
2:58
